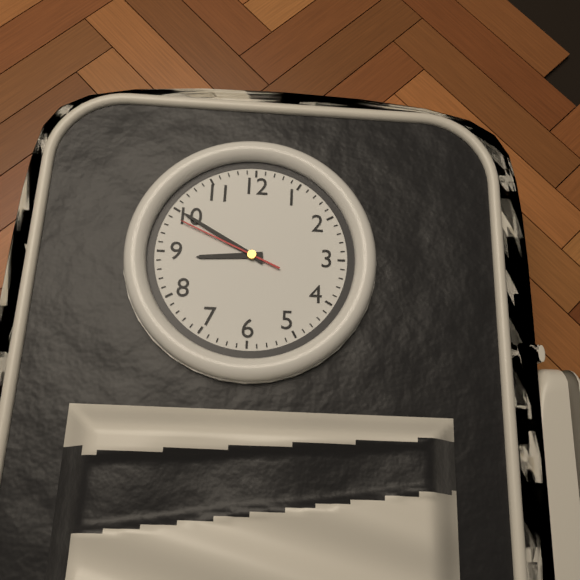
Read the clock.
8:50:49
